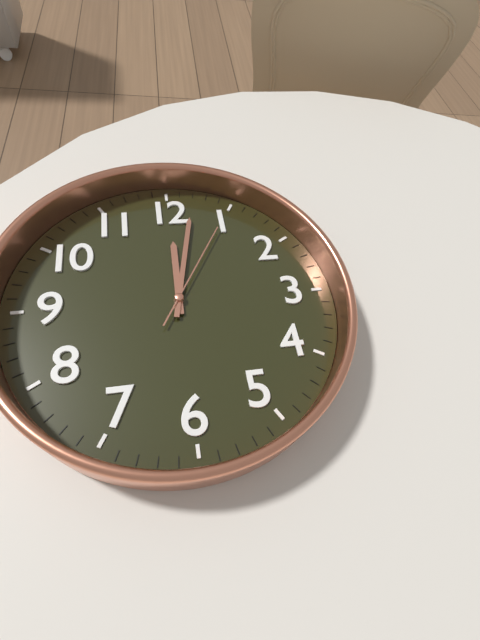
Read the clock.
12:02:05
